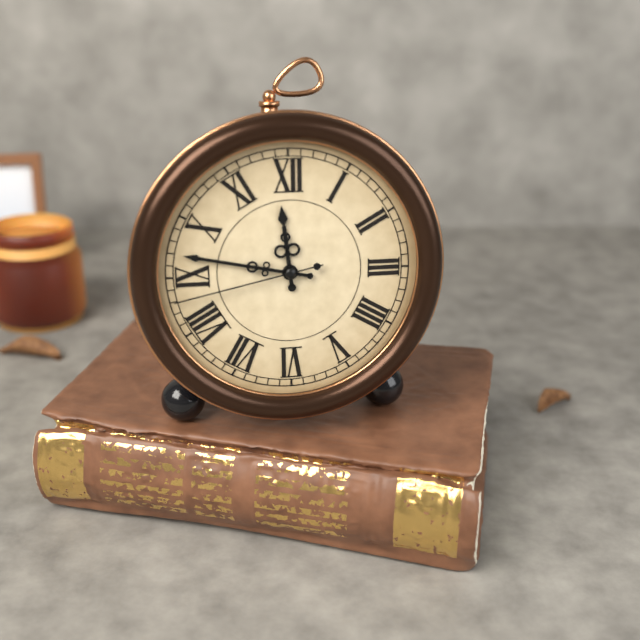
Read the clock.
11:47:43
